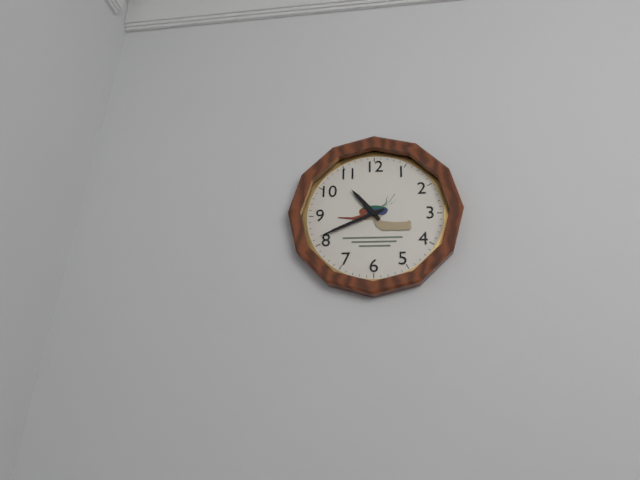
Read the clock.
10:41
